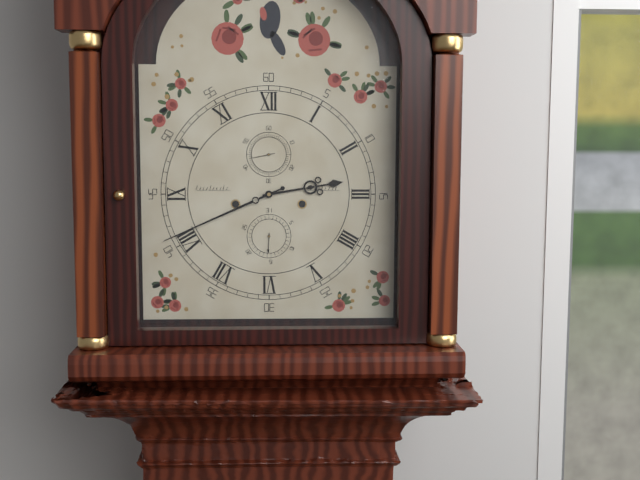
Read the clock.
2:41
